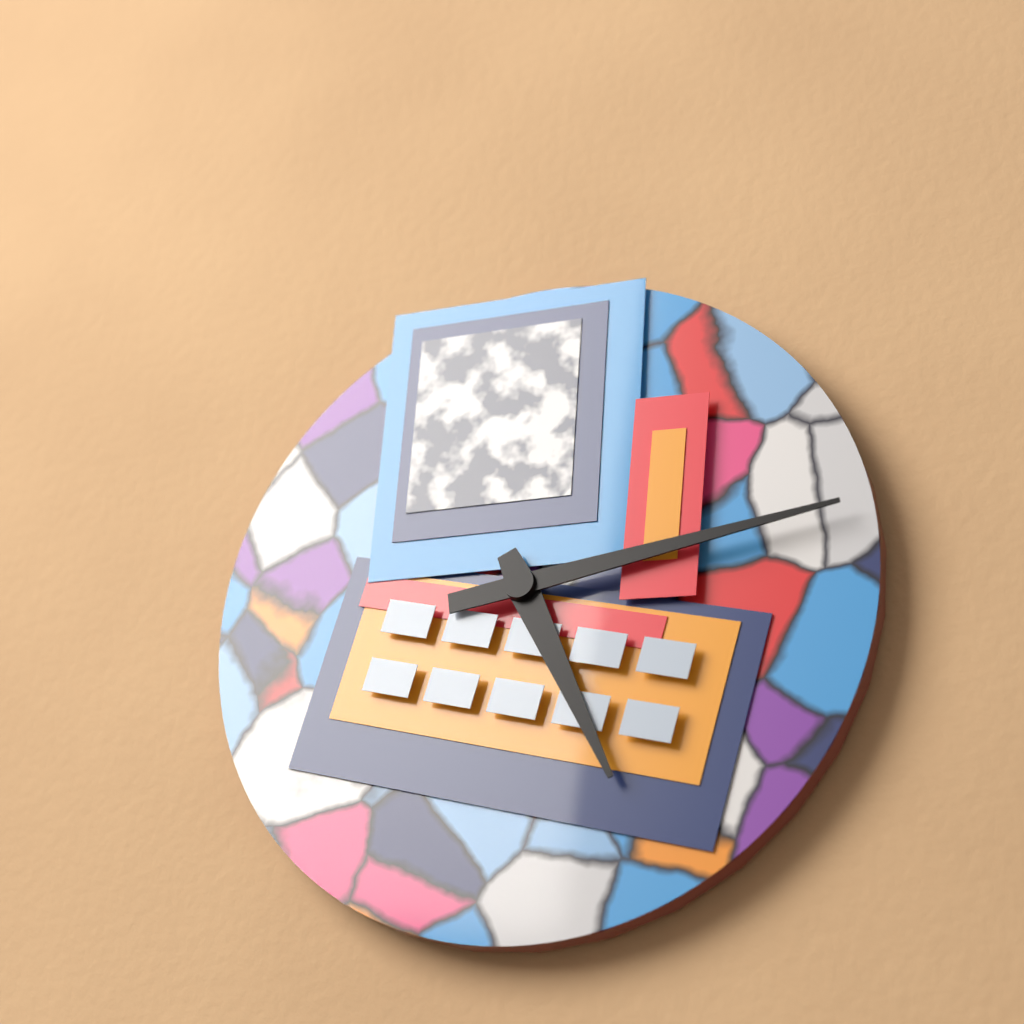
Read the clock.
5:14
